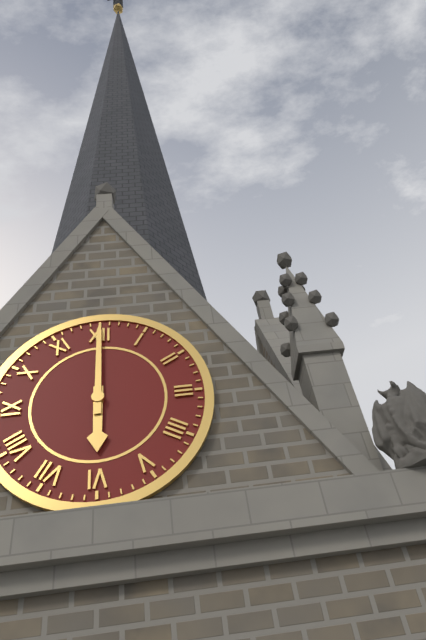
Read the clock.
6:00
